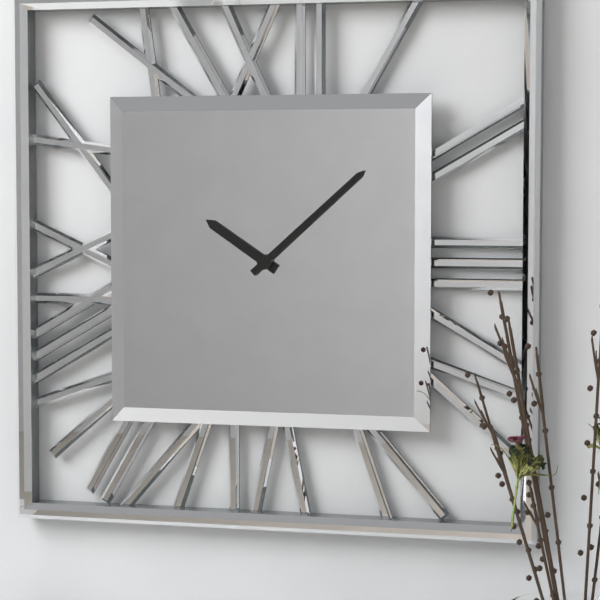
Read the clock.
10:08
